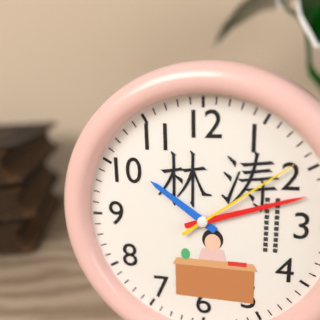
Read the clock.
10:12:09
